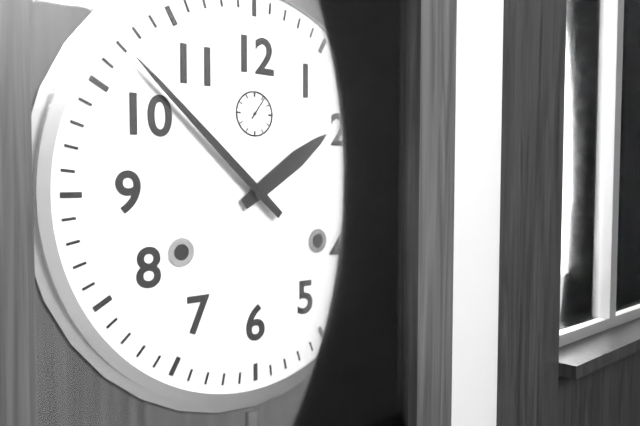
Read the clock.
1:52
